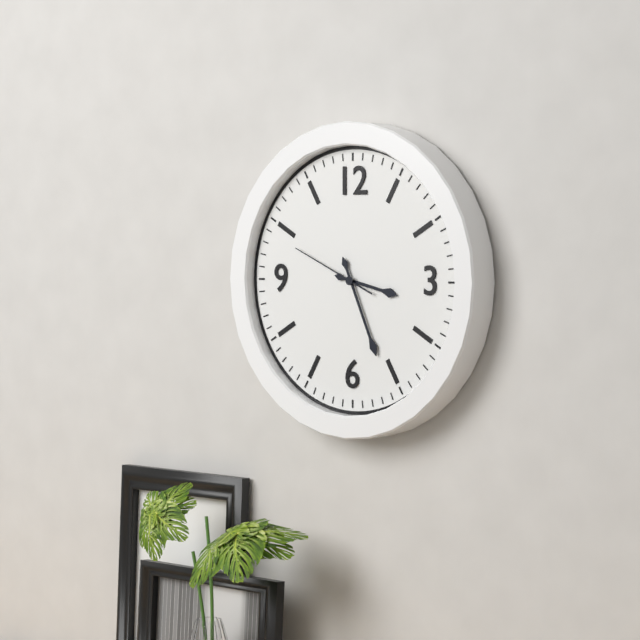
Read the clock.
3:26:49
